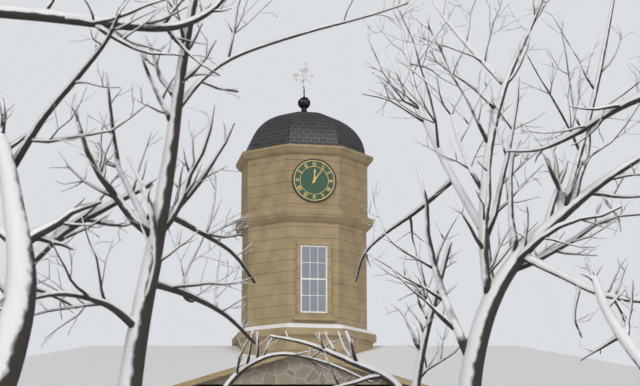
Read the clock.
12:06
